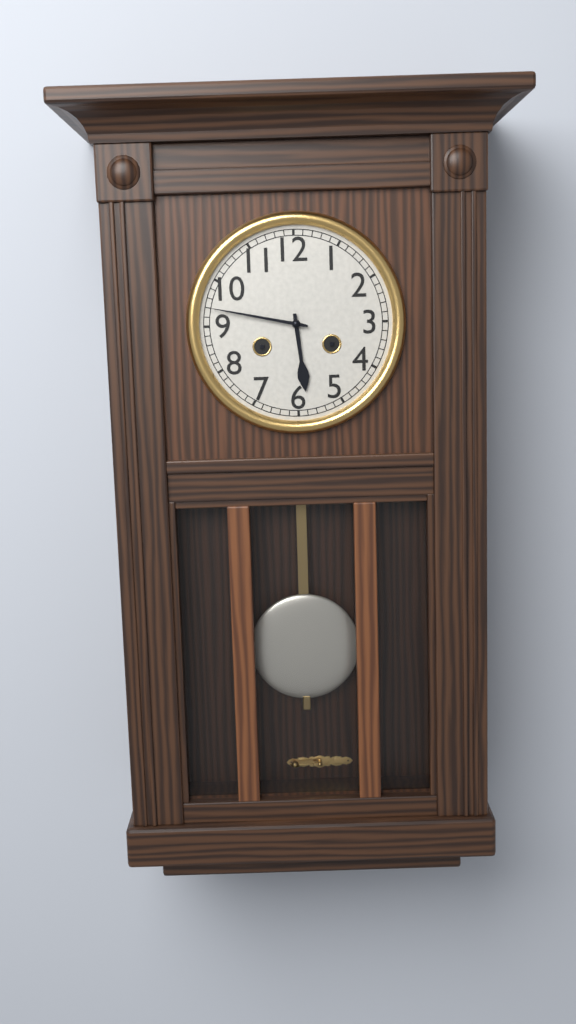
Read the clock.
5:47
